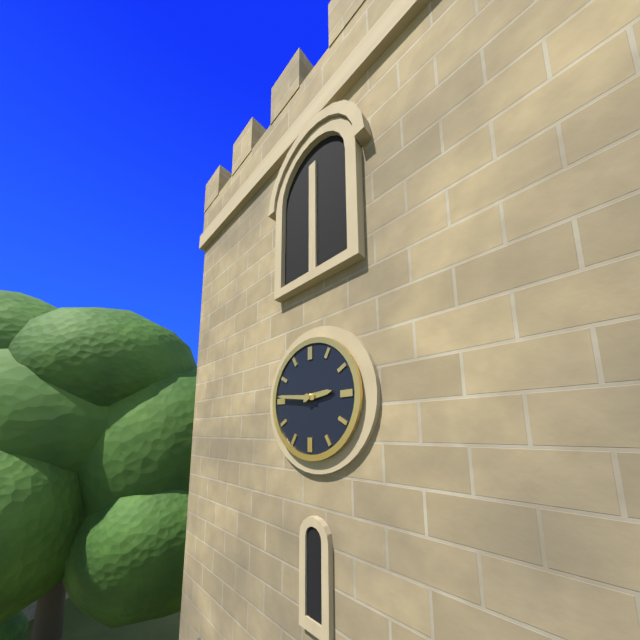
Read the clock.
2:46
